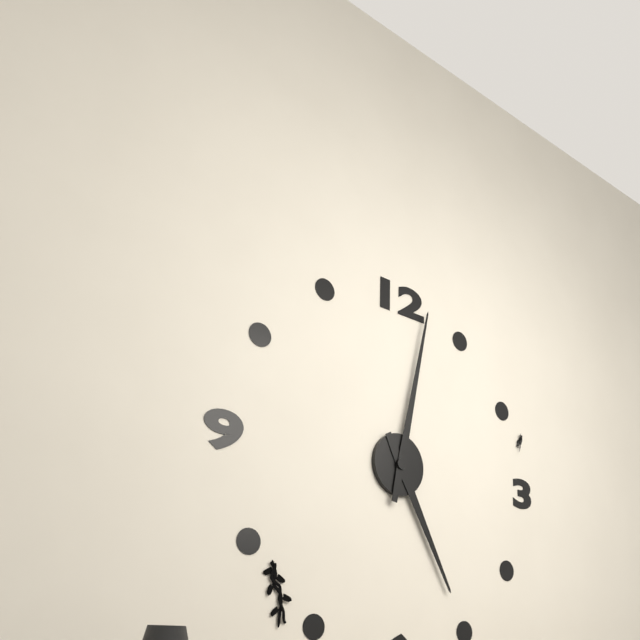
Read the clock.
5:02
